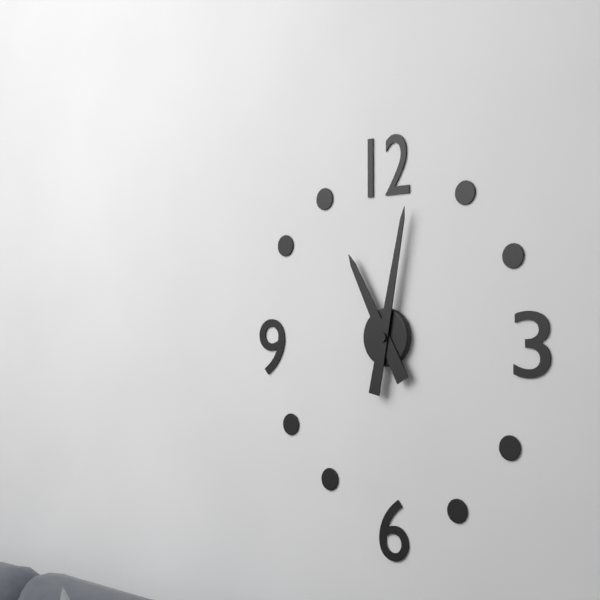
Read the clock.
11:02
